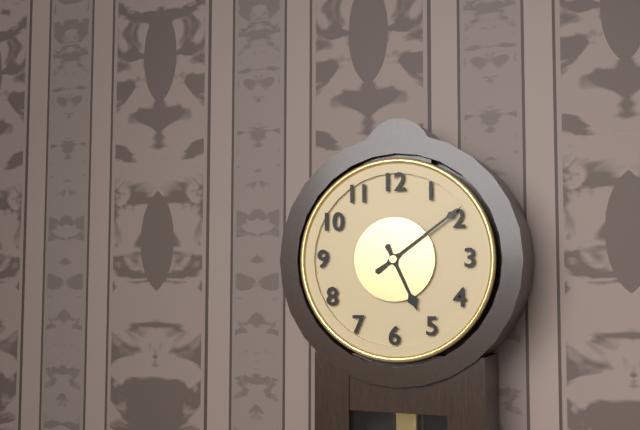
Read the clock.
5:09
